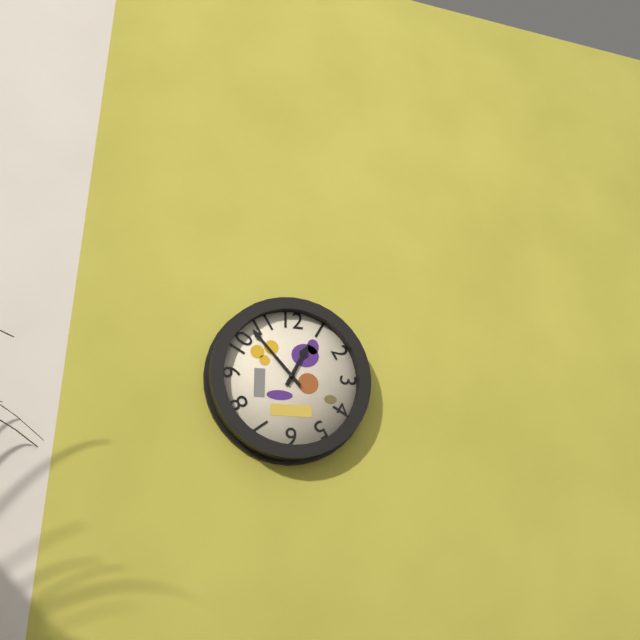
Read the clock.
12:53
